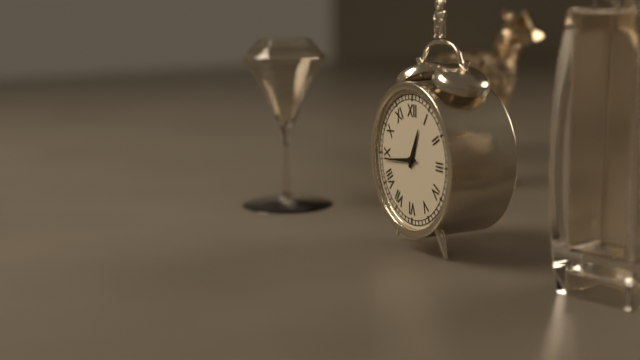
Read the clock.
12:44
